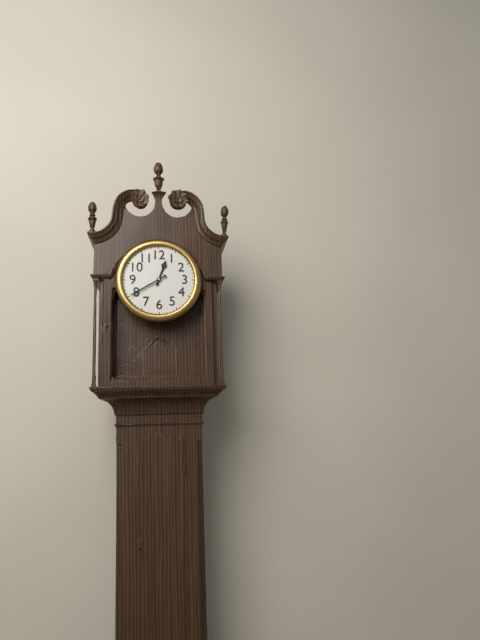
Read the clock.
12:40
